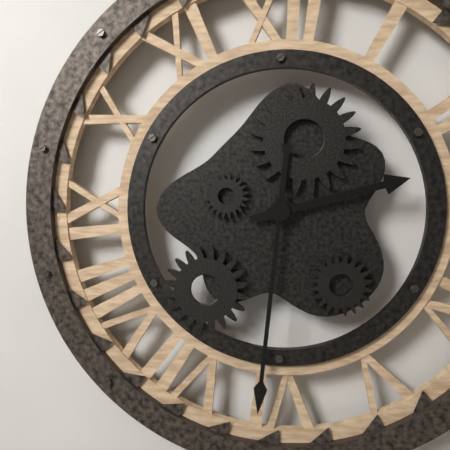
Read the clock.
2:31
